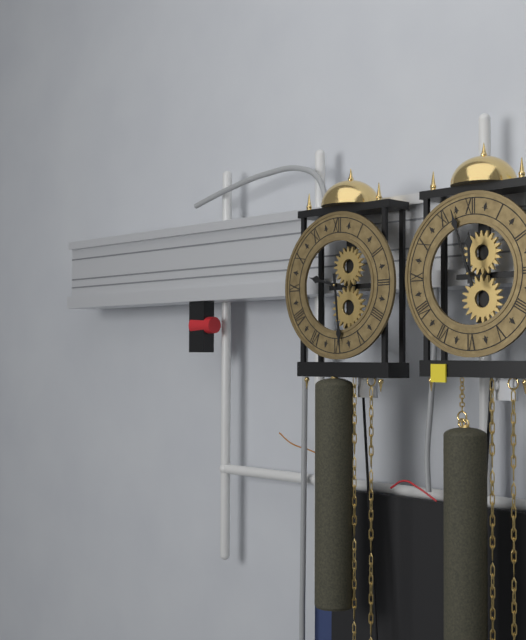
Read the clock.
9:29
